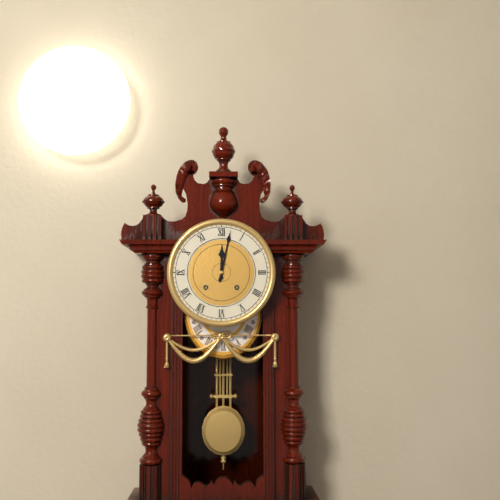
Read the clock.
12:02
